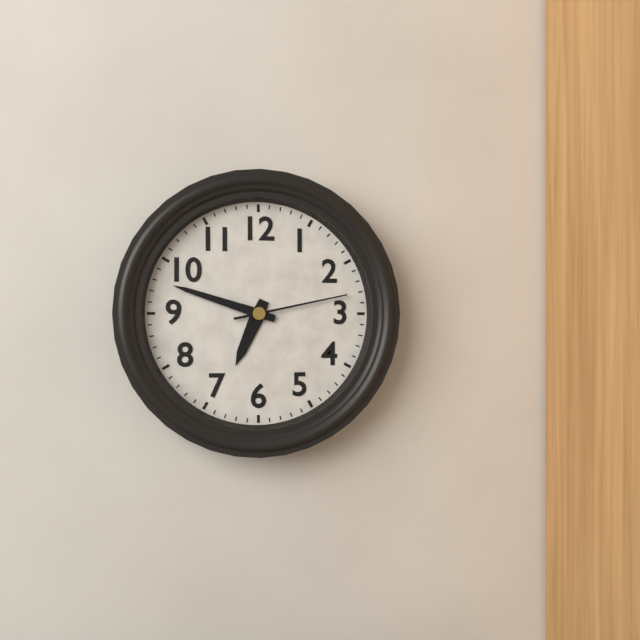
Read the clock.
6:48:13
